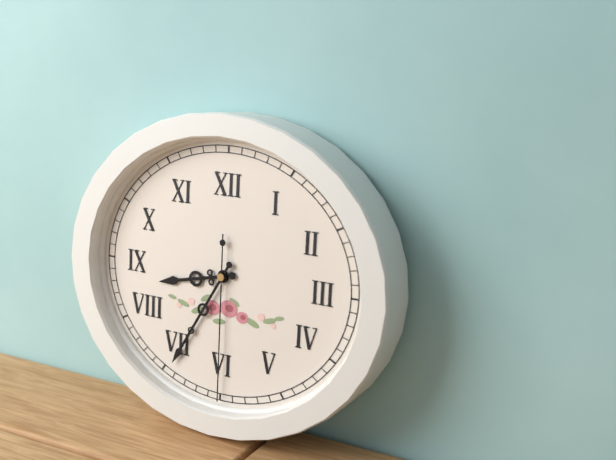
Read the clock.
8:35:30
